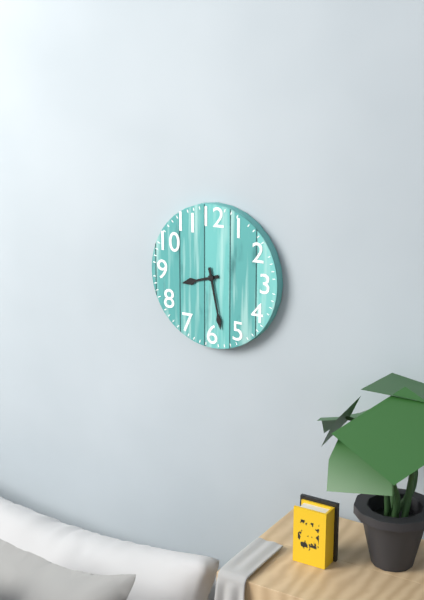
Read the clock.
8:28
